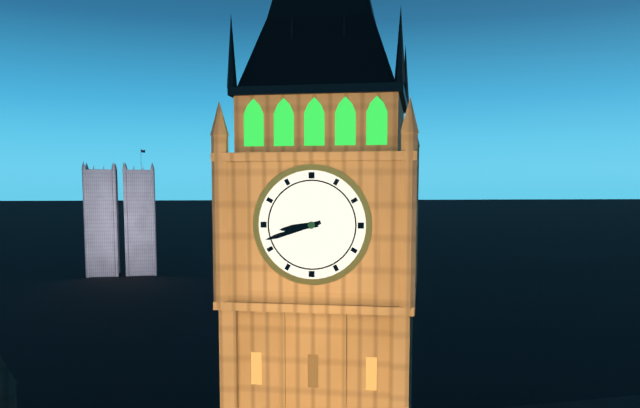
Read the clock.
8:42
